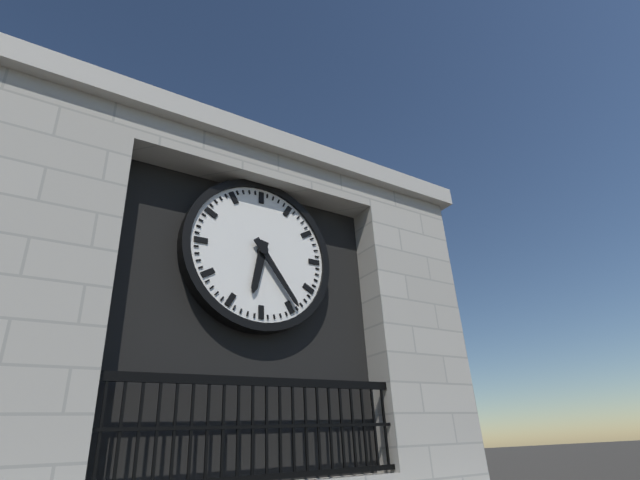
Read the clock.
6:24
